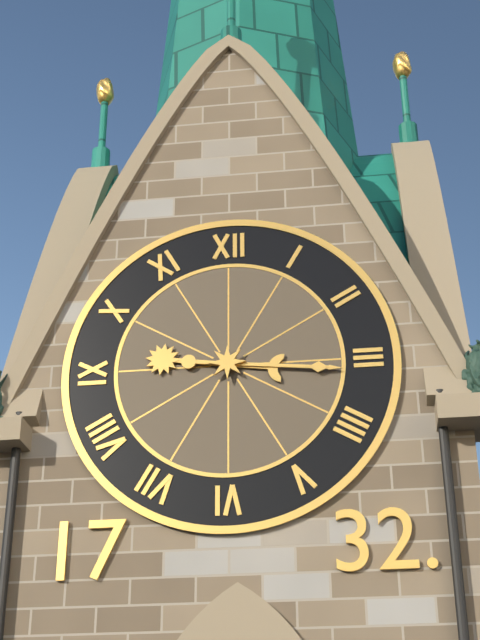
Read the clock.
9:16
